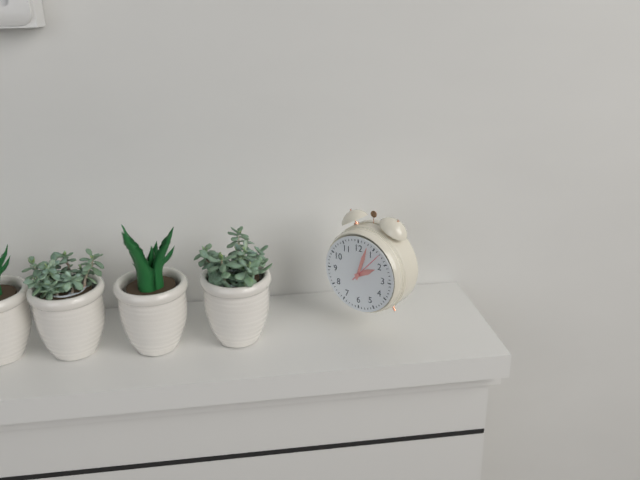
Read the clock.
2:03
